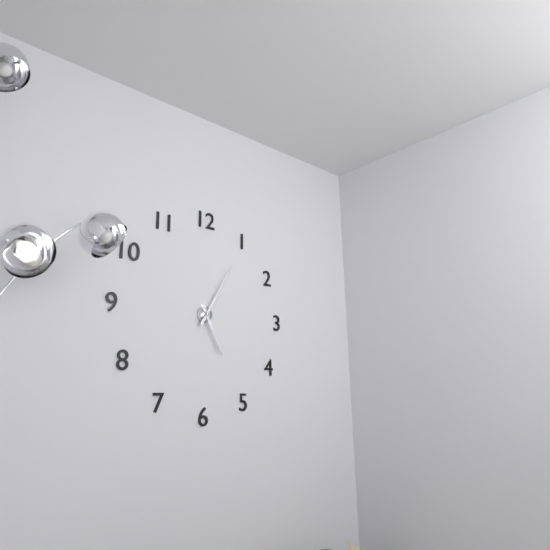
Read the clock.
5:05
